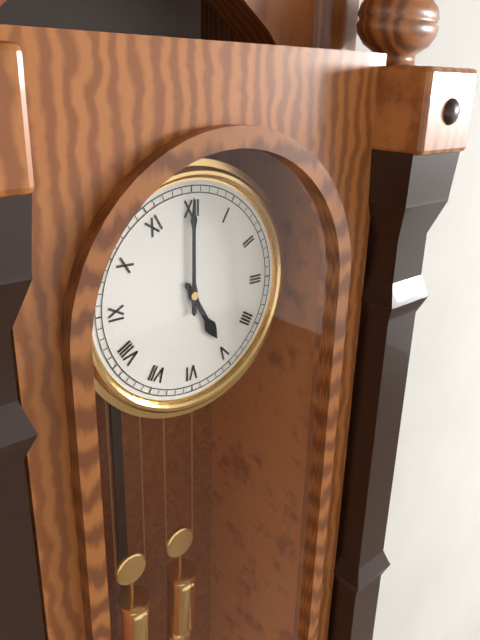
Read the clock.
5:00
